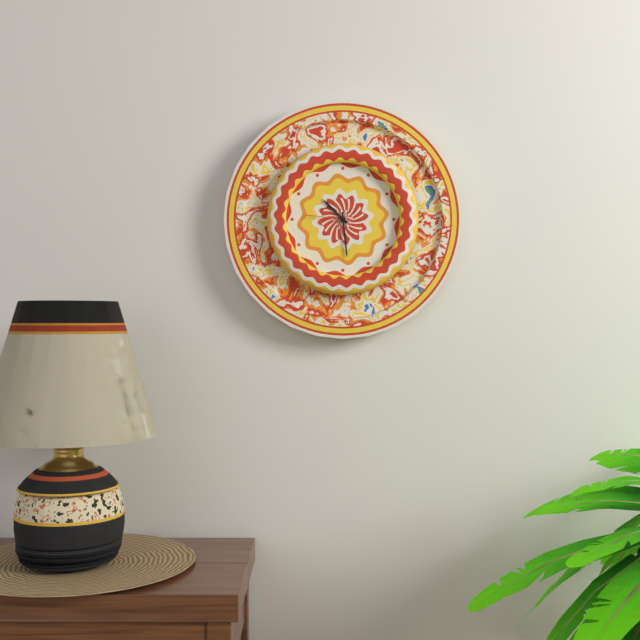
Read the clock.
10:29
